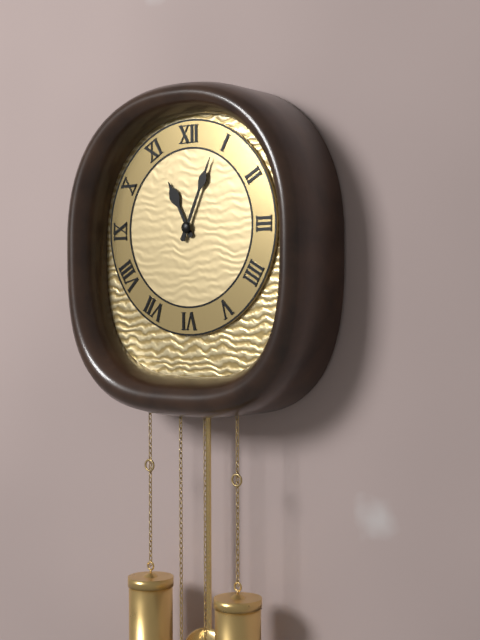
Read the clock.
11:04
